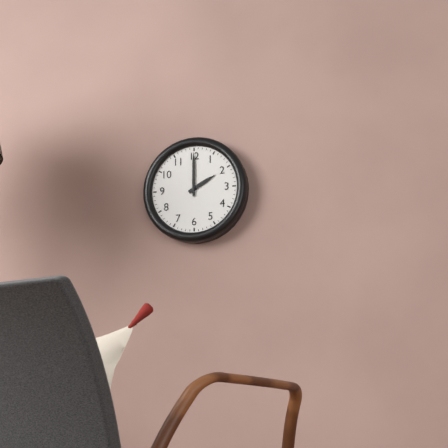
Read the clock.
2:00
